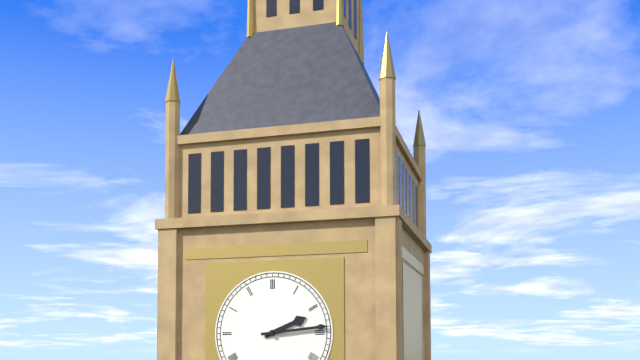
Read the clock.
2:14
